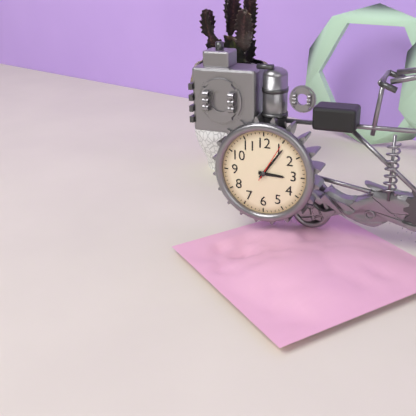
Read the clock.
3:06
